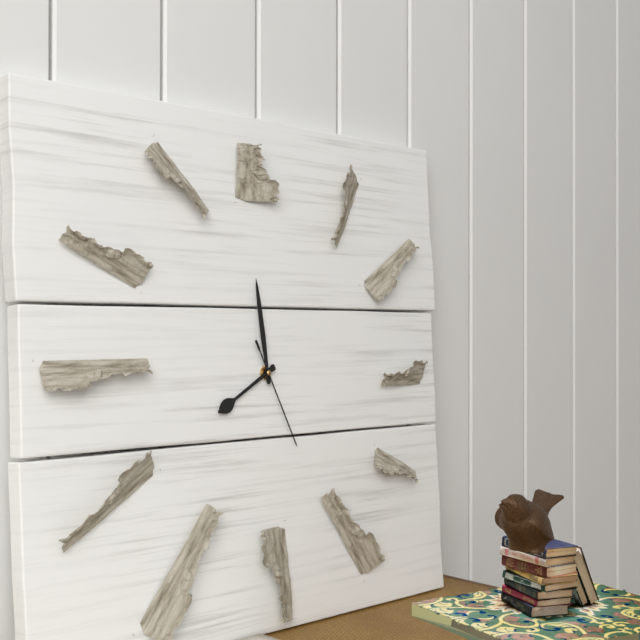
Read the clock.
7:59:26
